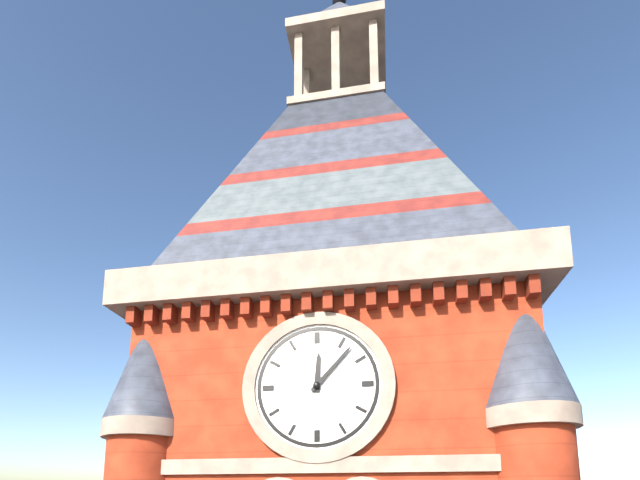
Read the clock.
12:07
